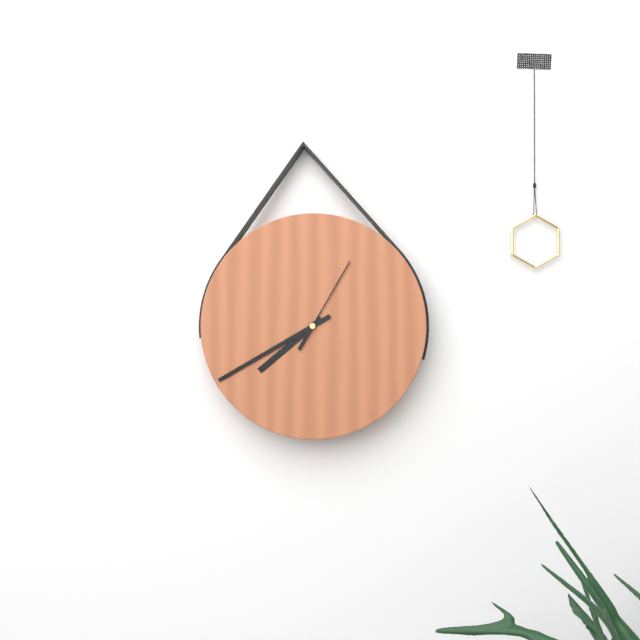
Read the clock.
7:40:05
